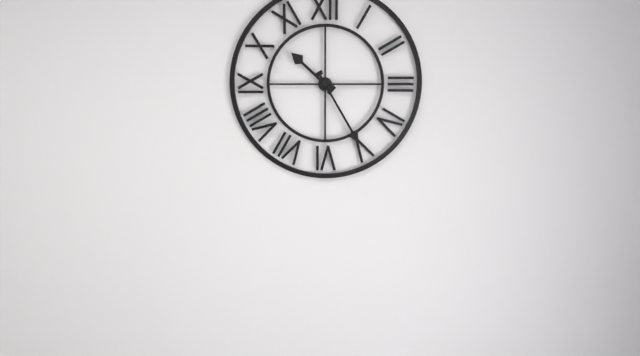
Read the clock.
10:25
